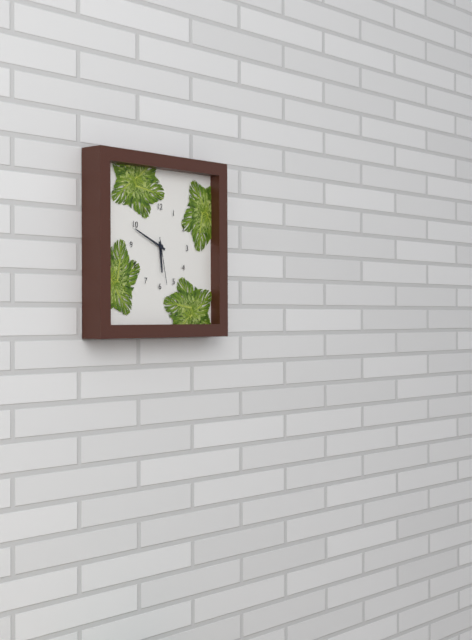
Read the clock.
5:49
